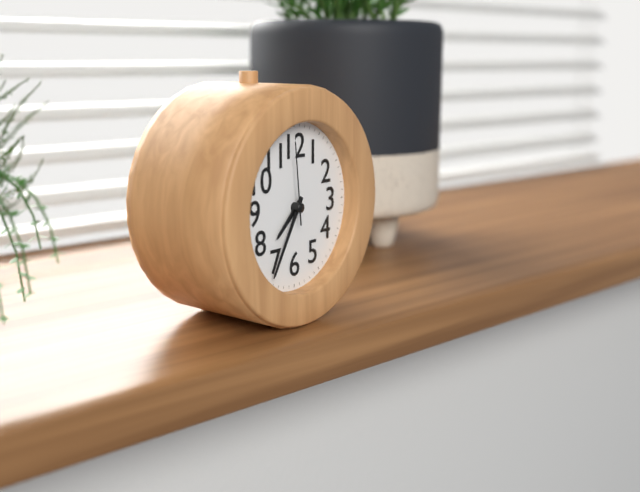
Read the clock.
7:35:59
